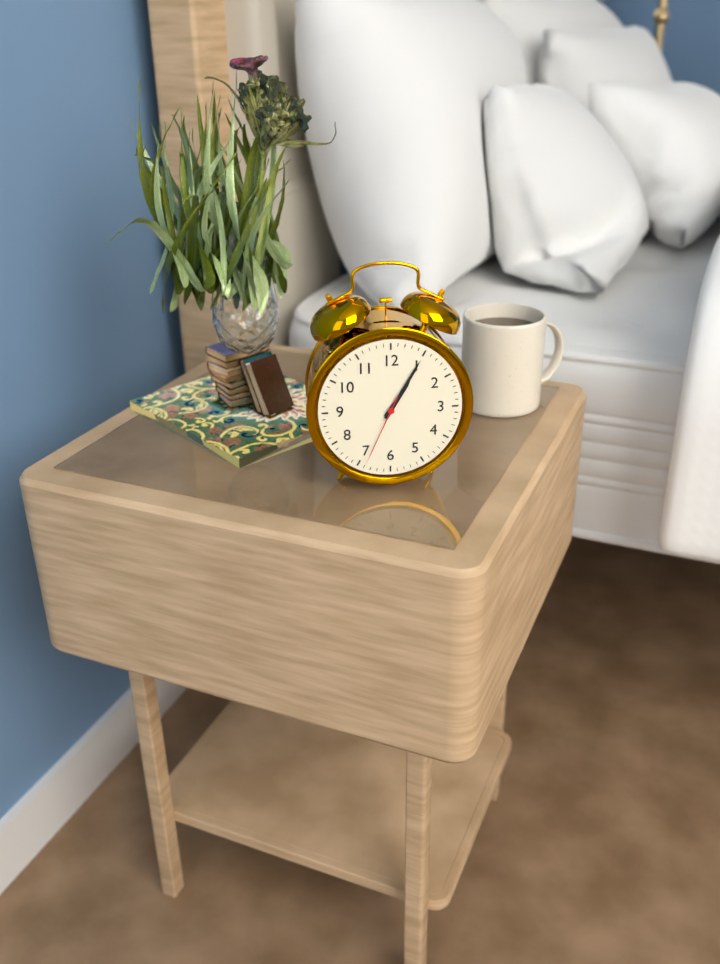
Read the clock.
1:05:34
